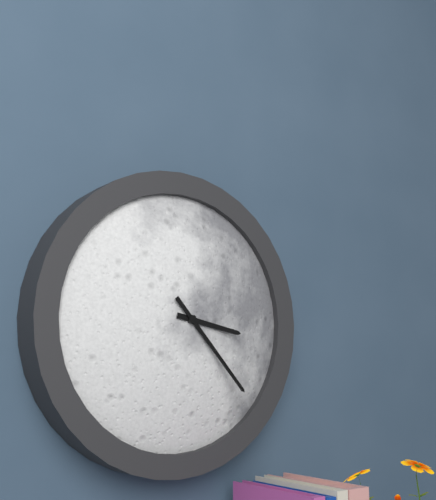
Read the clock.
3:23
